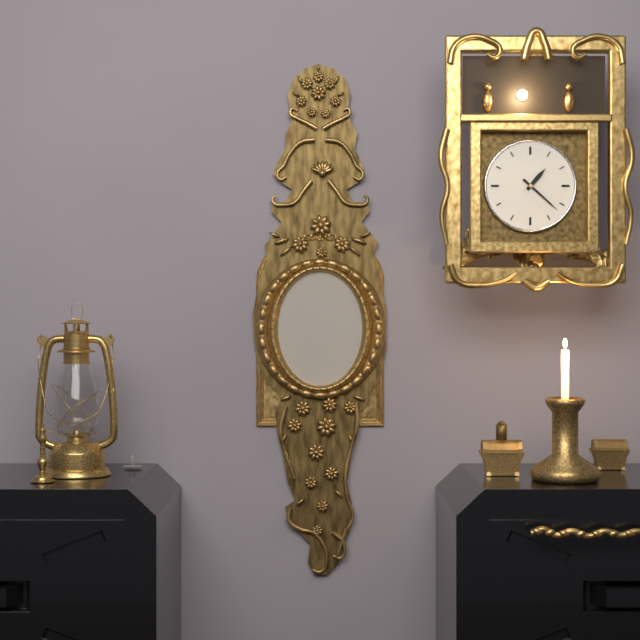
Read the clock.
1:22
